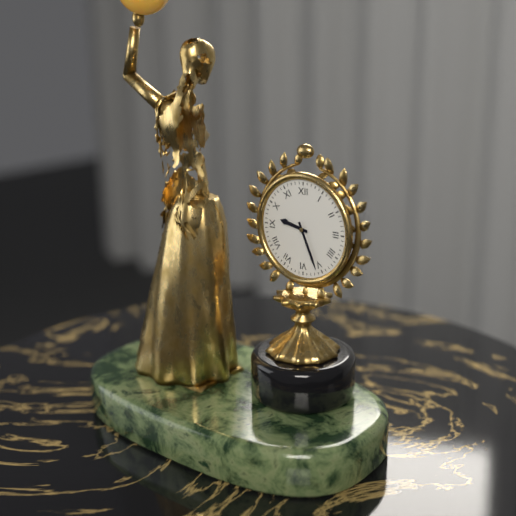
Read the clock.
9:26
